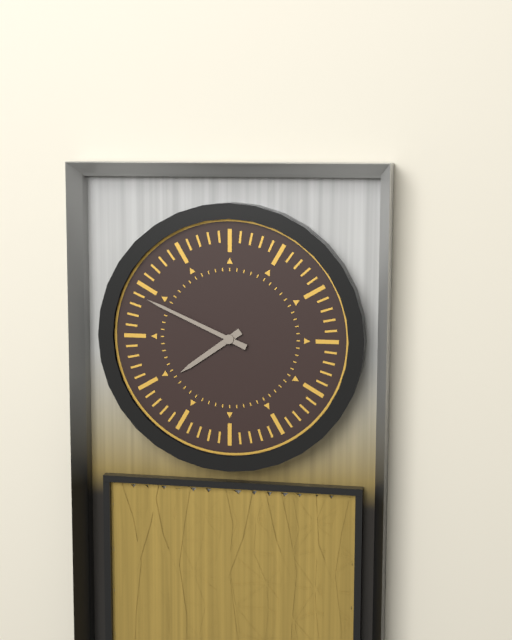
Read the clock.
7:49
